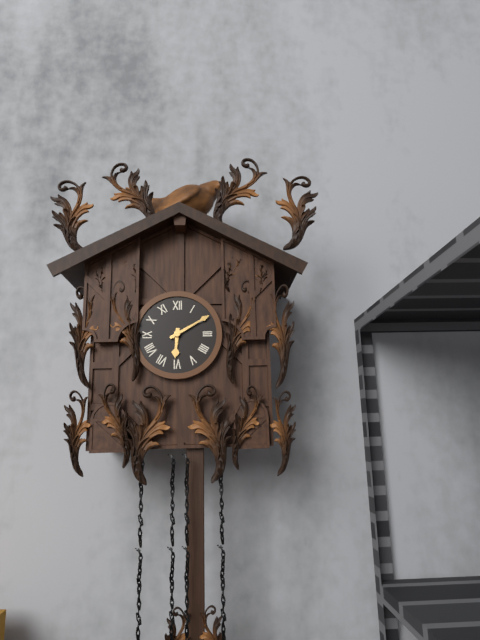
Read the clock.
6:10
